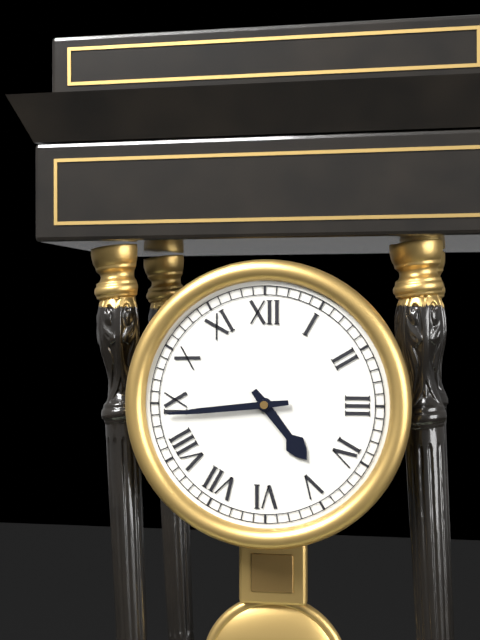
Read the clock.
4:44
